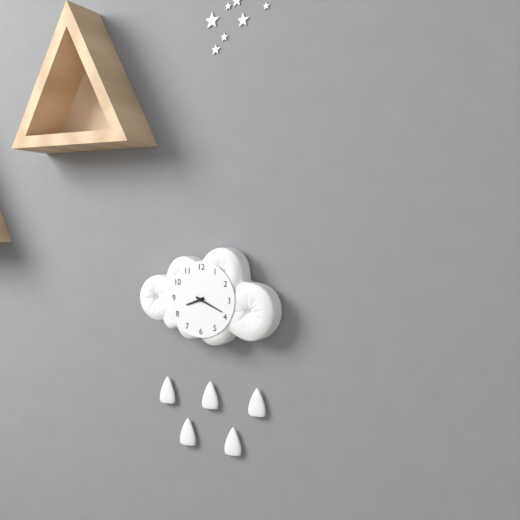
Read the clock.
8:19
